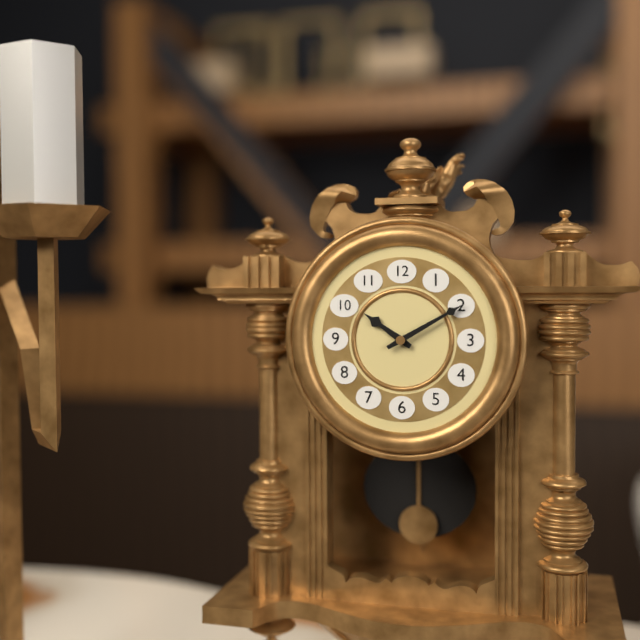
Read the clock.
10:10
